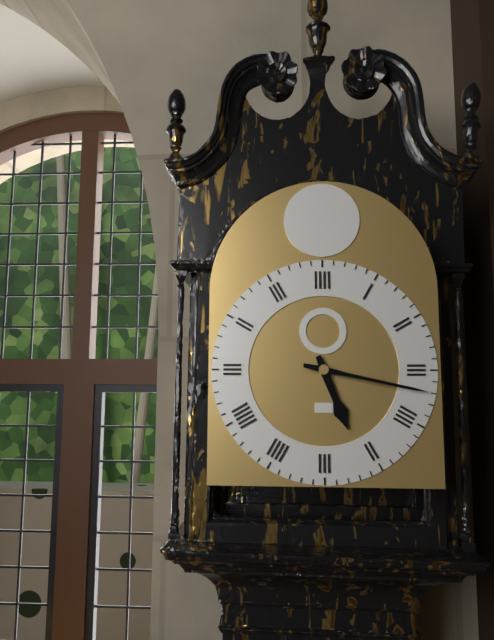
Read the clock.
5:17
